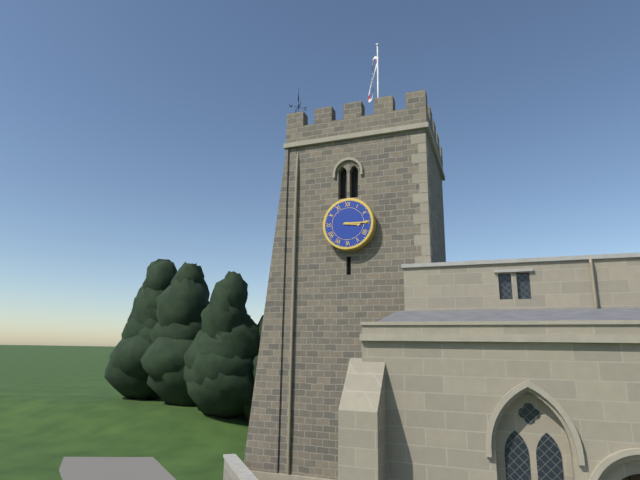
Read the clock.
3:15
